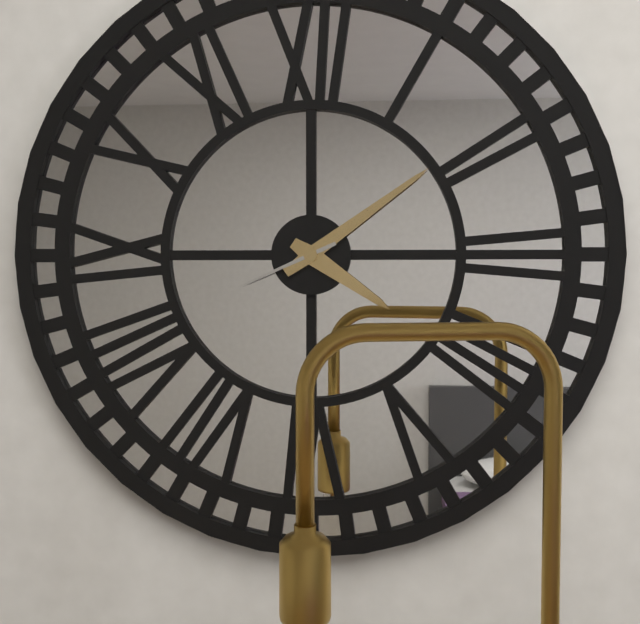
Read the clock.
4:09:41
